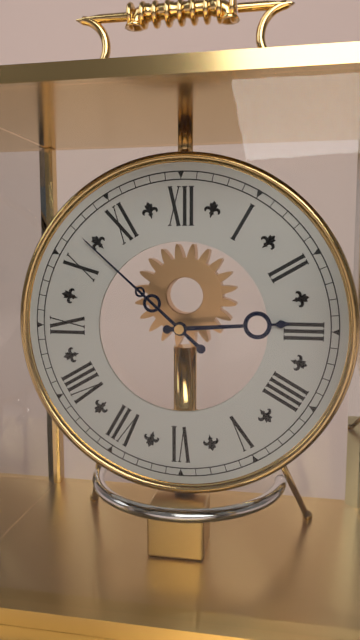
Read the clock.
2:52
